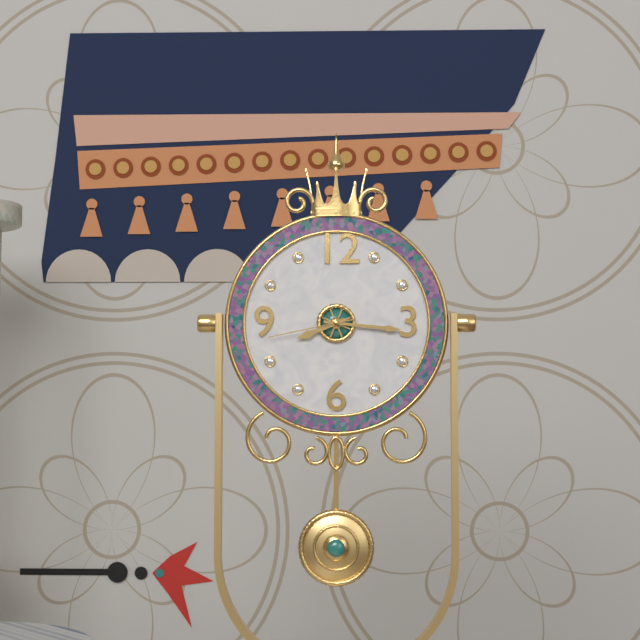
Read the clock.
8:16:43
